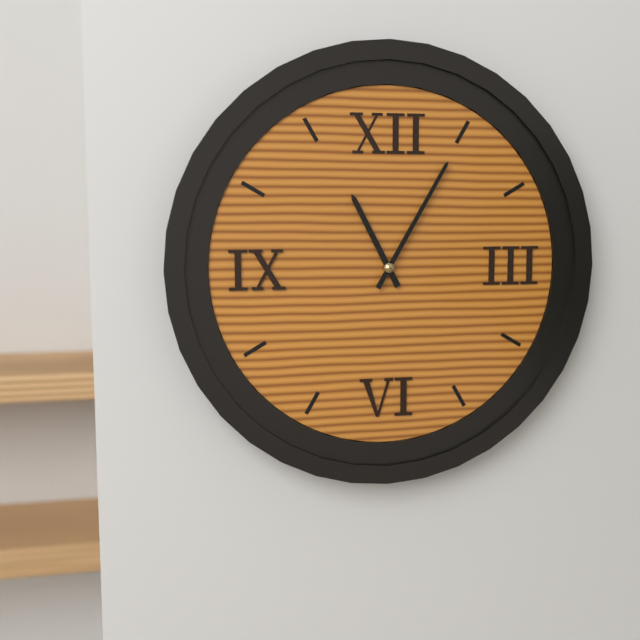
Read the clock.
11:05
